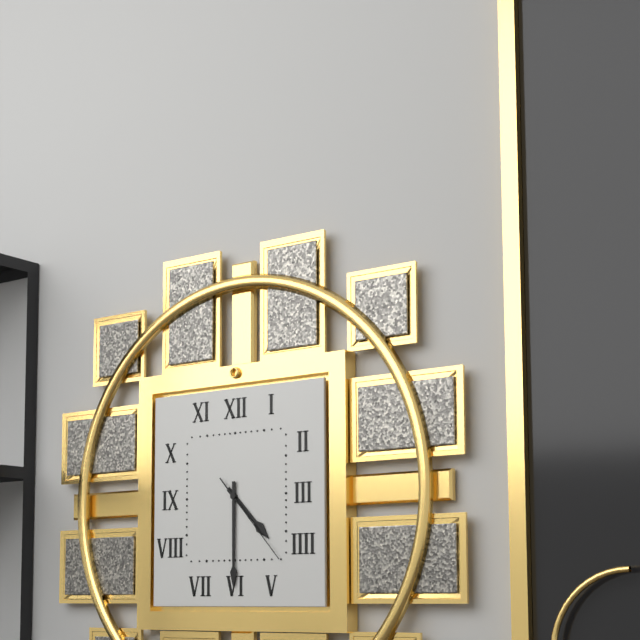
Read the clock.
4:30:23
